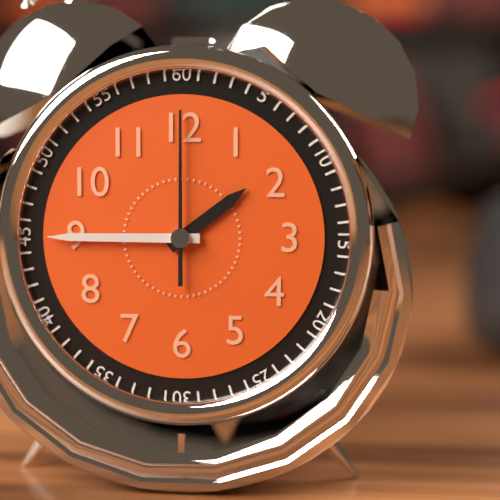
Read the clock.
1:45:00
